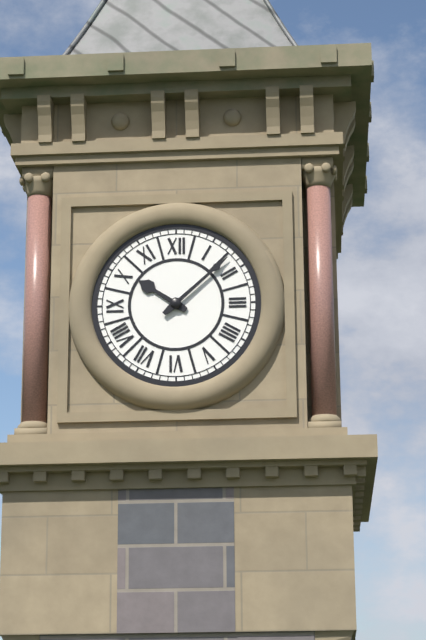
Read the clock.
10:08
